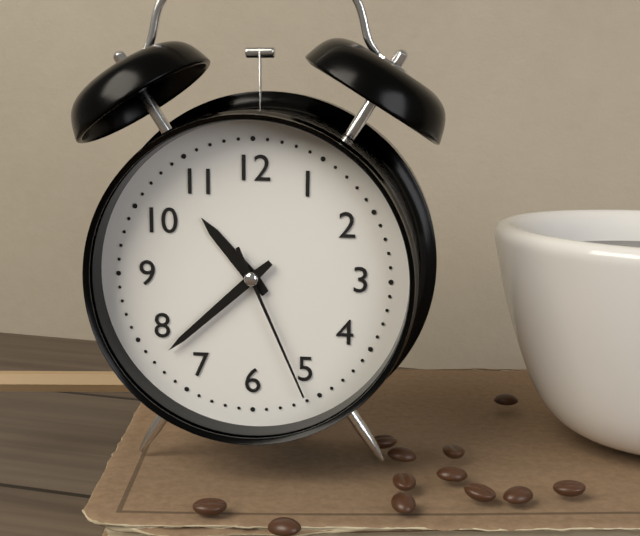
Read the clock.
10:38:26
